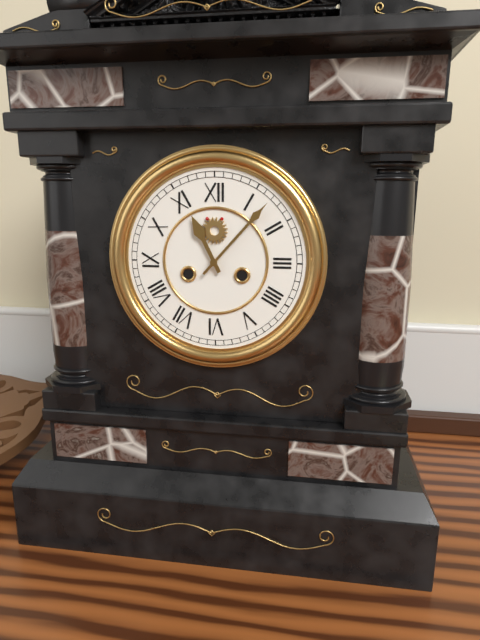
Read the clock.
11:07
